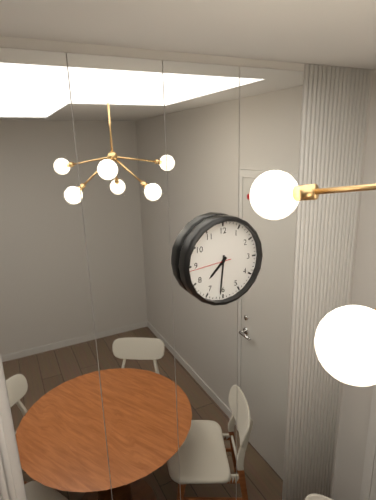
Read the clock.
7:31
